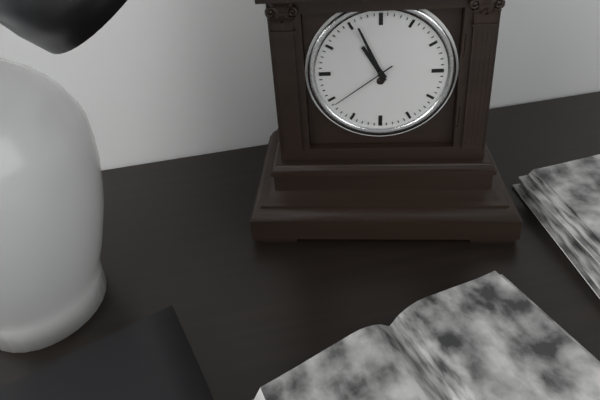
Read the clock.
10:56:39
